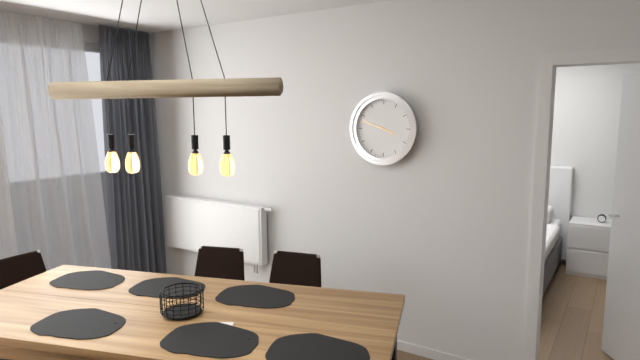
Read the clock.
3:48
